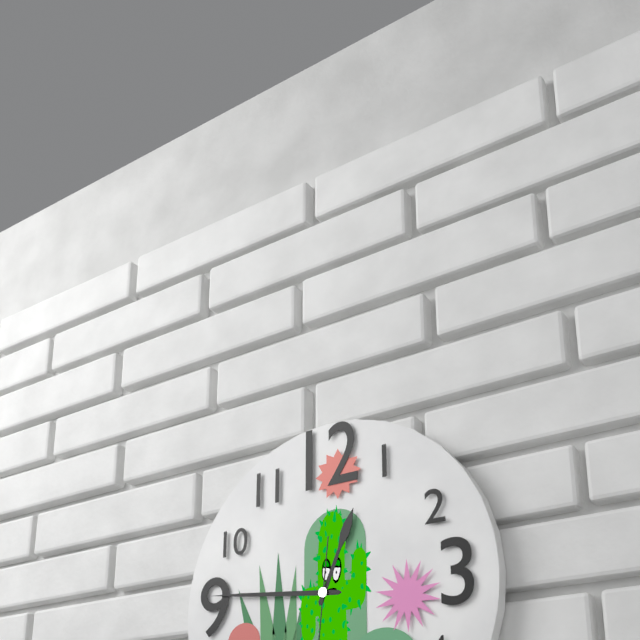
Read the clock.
12:46
